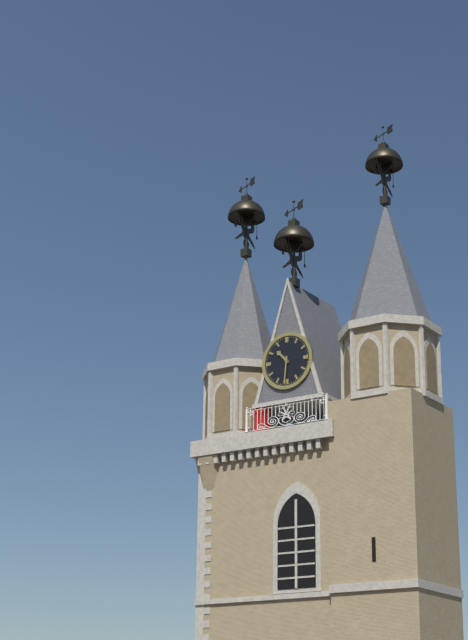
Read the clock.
10:31
